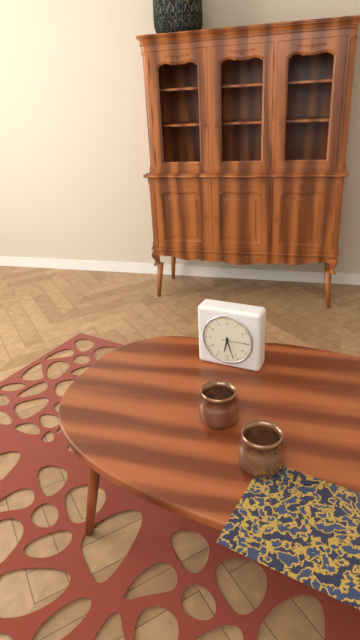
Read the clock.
6:27
